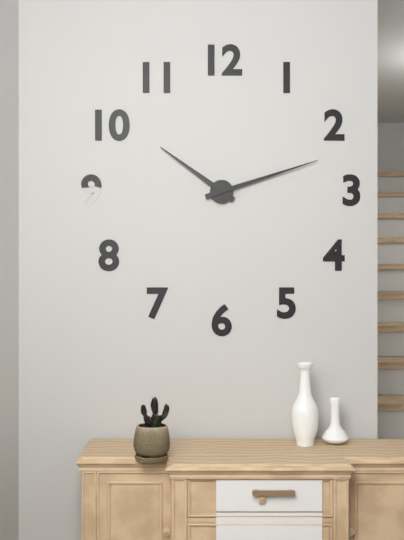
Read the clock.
10:12
